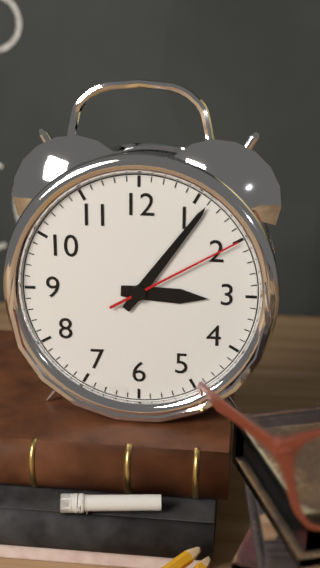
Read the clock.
3:06:10
